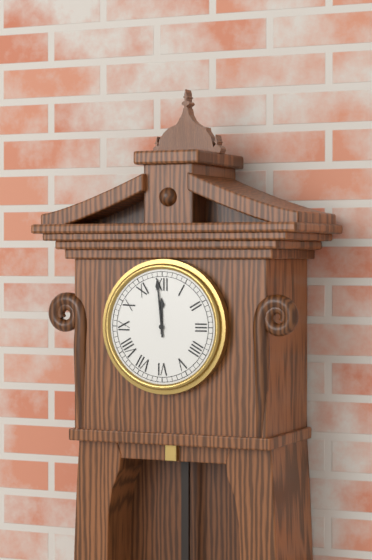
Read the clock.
11:59
